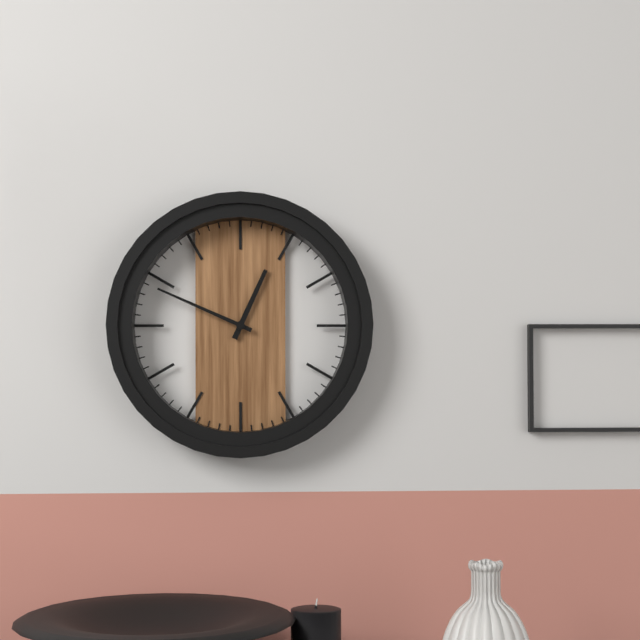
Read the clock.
12:49
